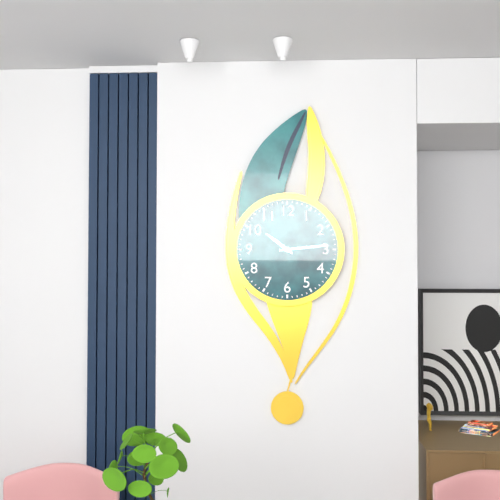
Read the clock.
10:14
